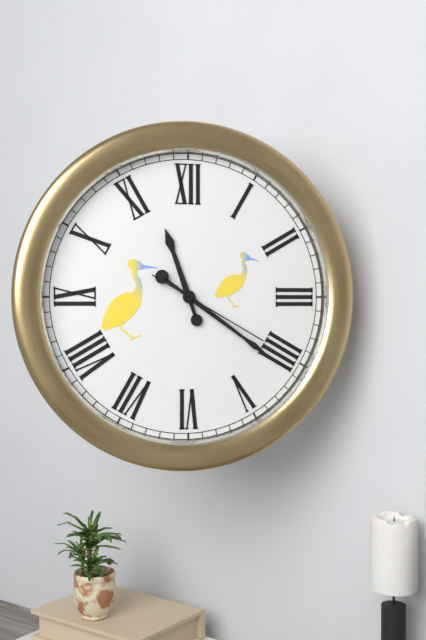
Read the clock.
11:21:20
